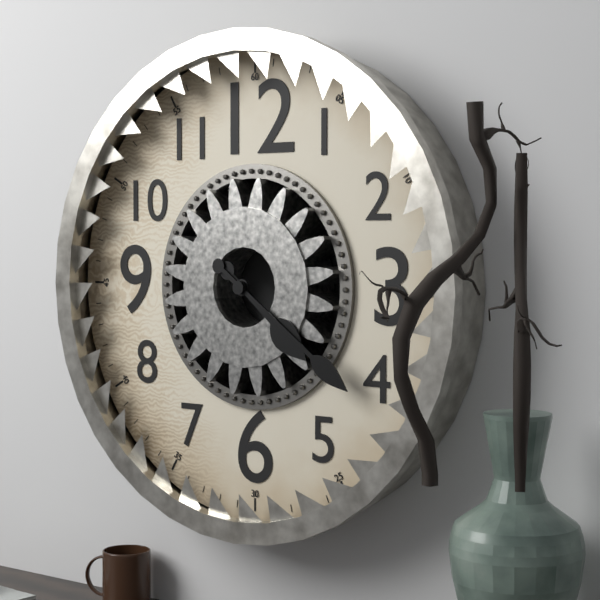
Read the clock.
4:21
